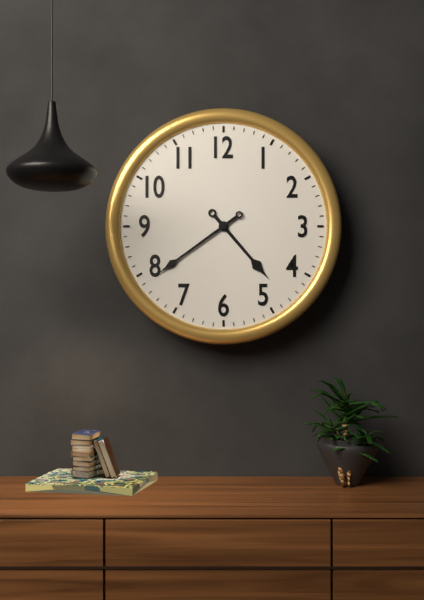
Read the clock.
4:39
